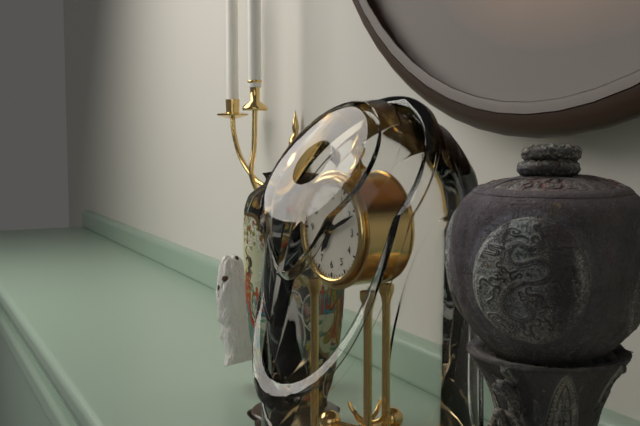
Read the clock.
7:11
